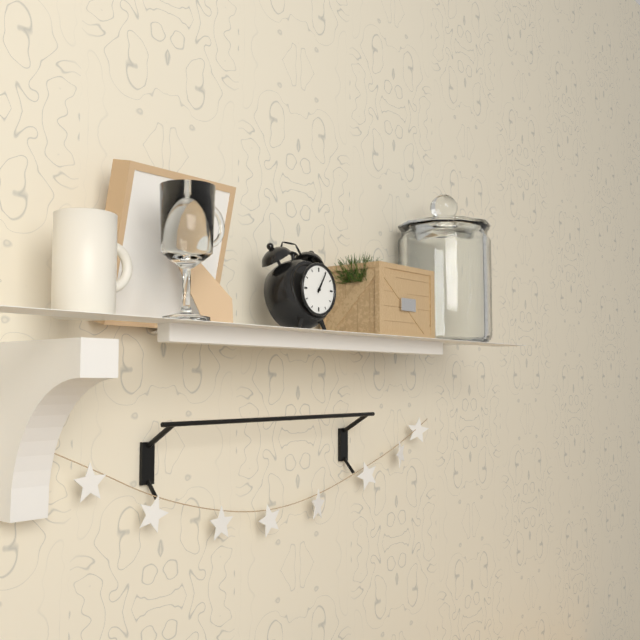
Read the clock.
1:05
